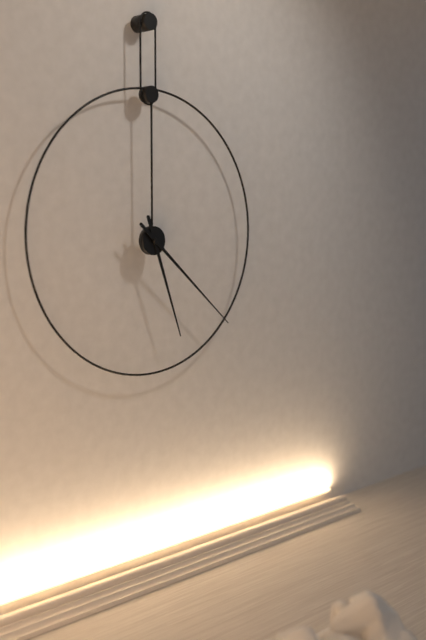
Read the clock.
5:22
